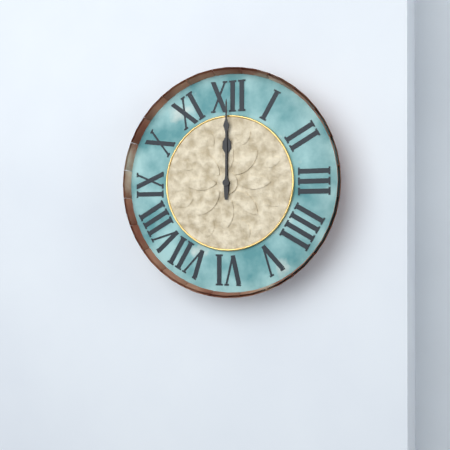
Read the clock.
12:00
